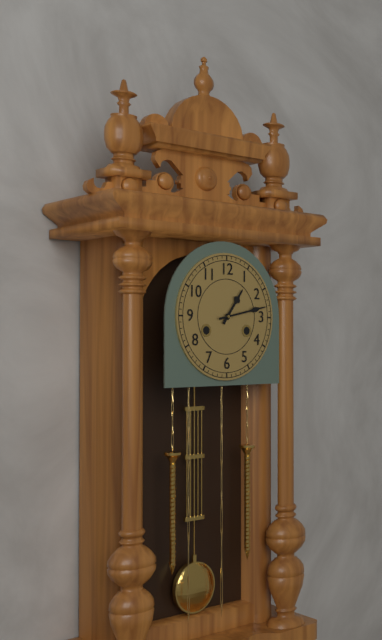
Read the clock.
1:13
